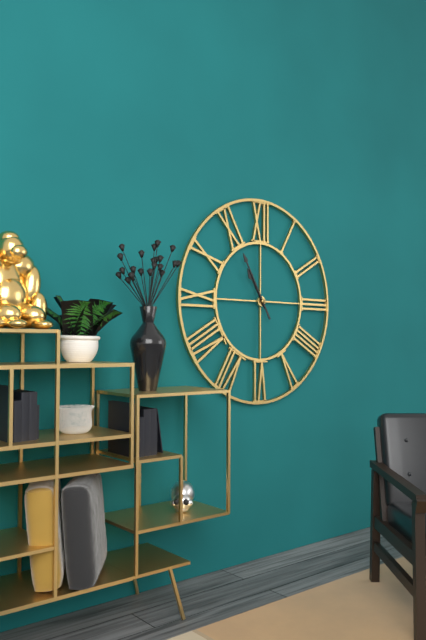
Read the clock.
10:55
